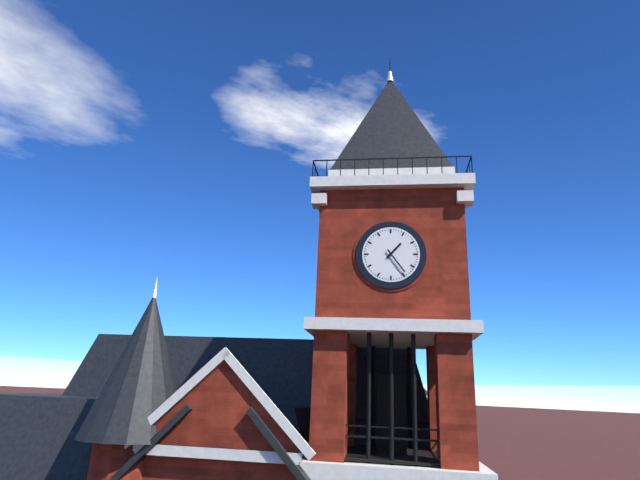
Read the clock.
1:24
